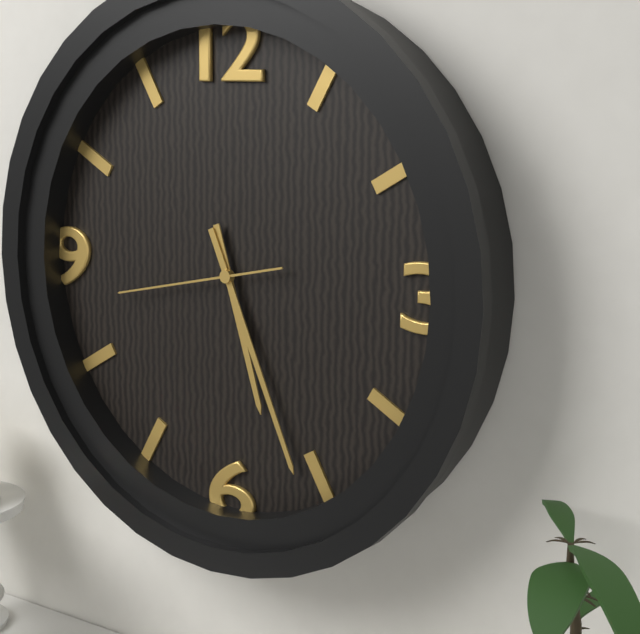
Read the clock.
5:26:43
